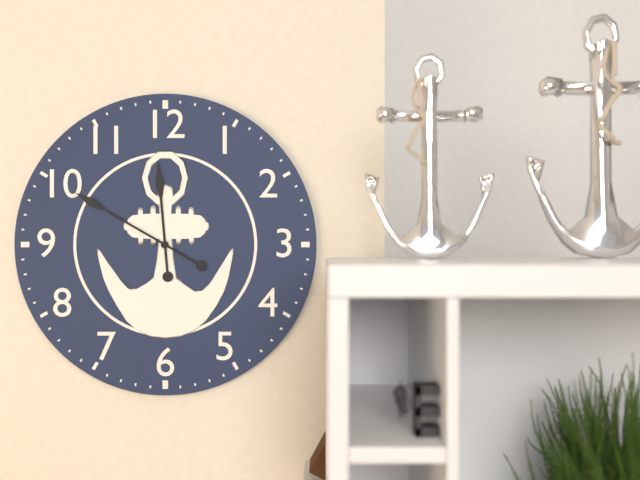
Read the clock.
11:50
